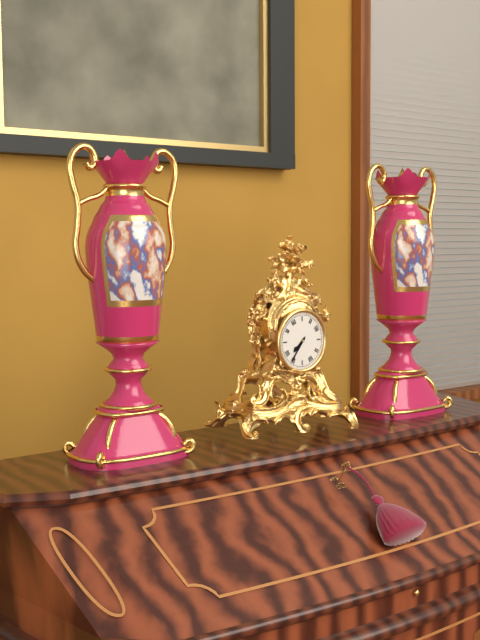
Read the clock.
7:36
